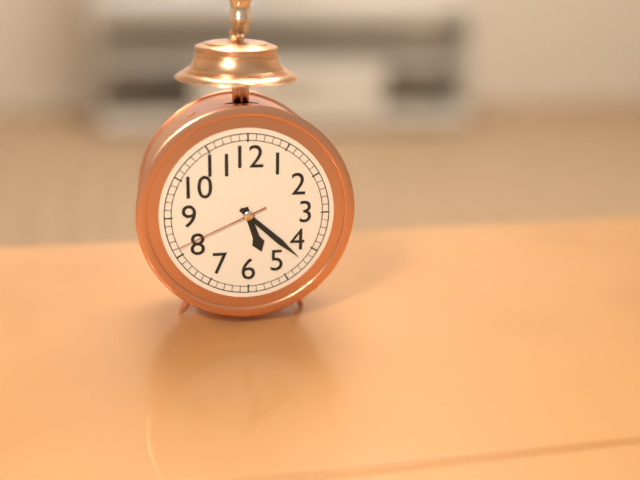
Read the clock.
5:22:41
